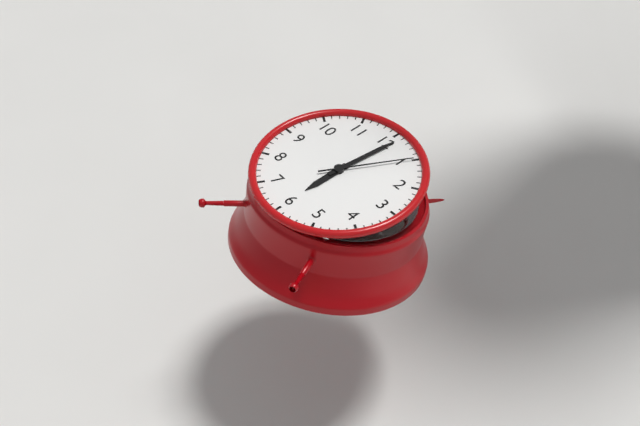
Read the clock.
6:01:05
